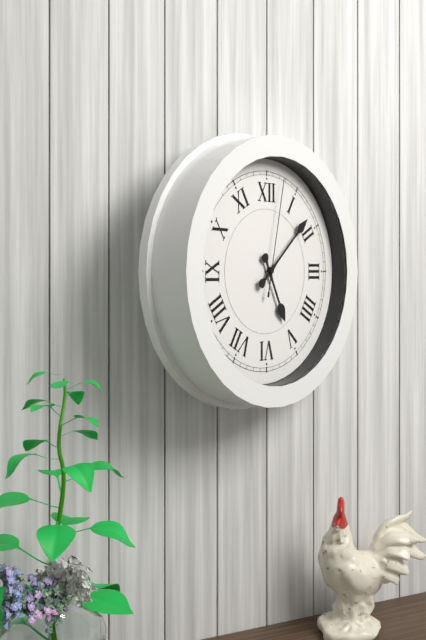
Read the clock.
5:08:02
